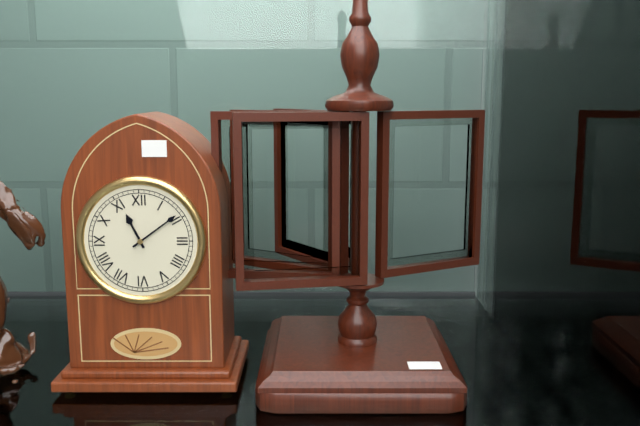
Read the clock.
11:09
